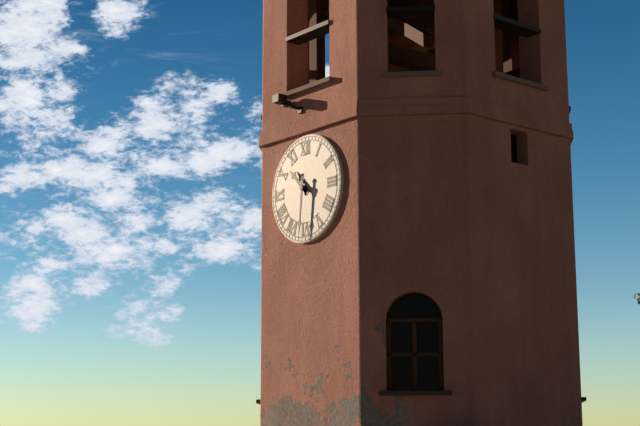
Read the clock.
10:31
